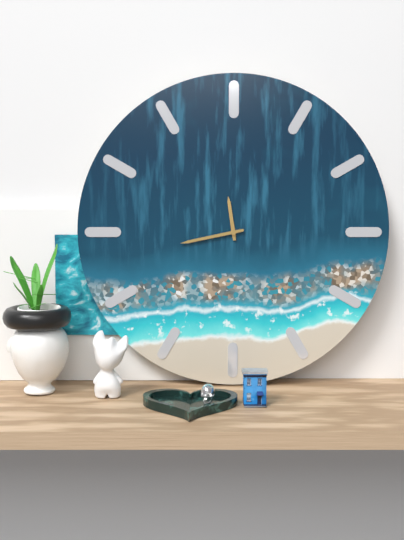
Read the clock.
11:43
